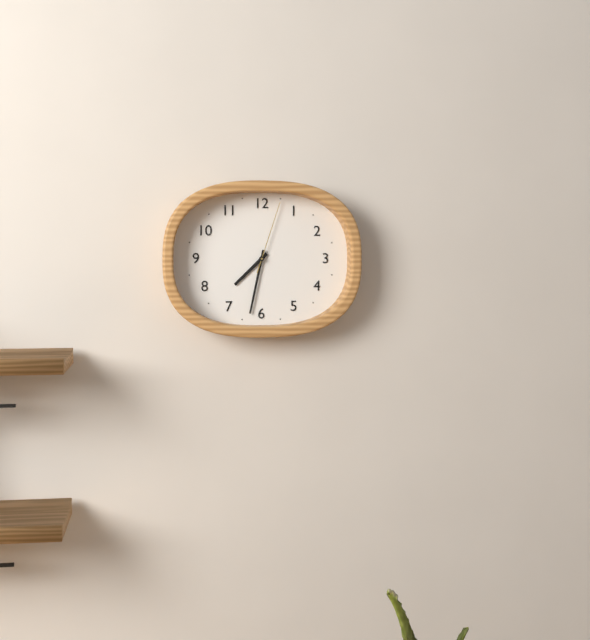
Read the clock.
7:32:03
